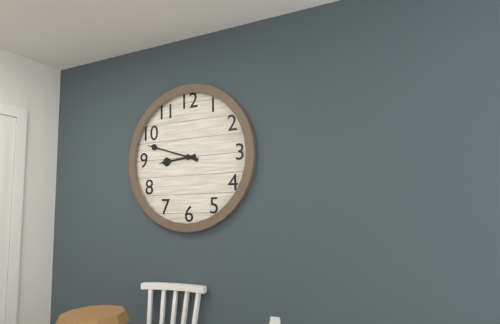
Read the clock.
8:48
